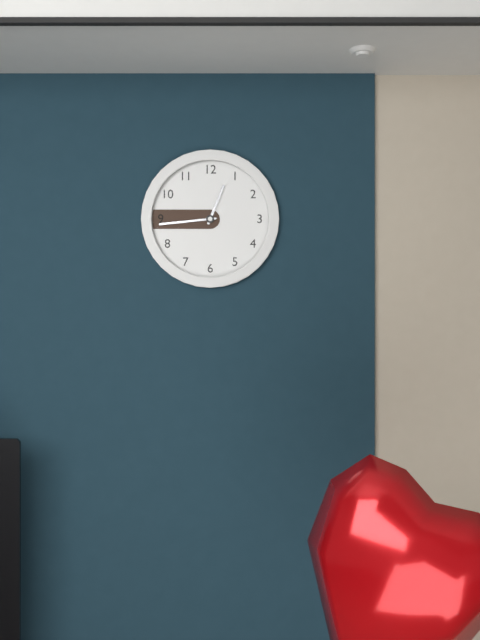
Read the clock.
12:44
